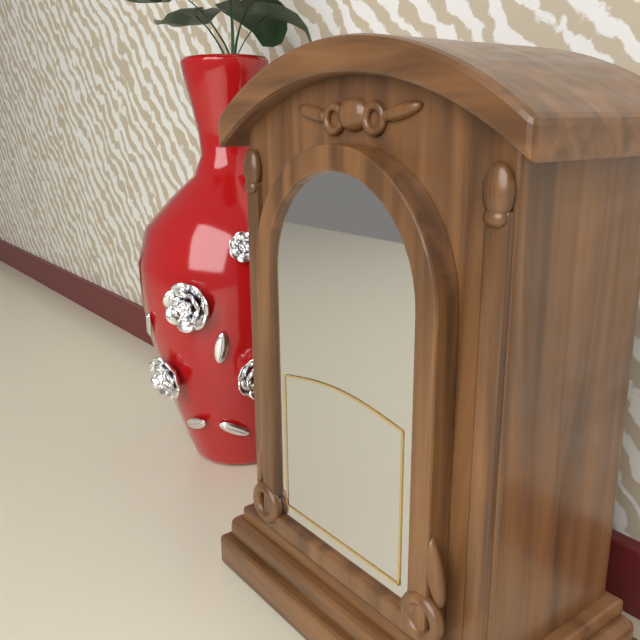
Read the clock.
1:24
